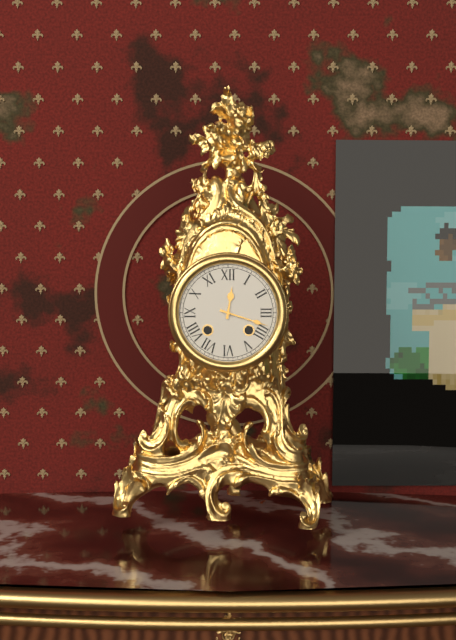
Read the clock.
12:18
